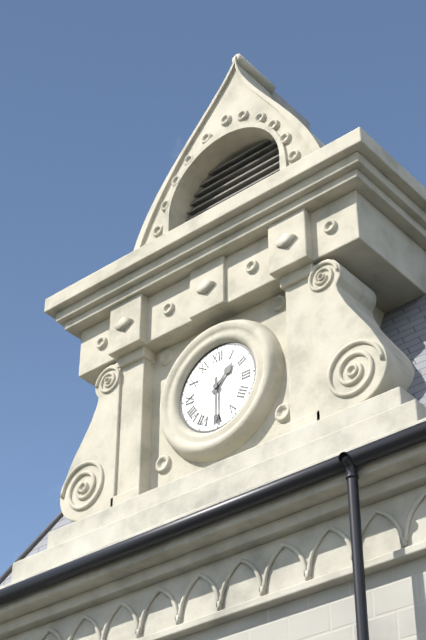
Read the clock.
1:30
